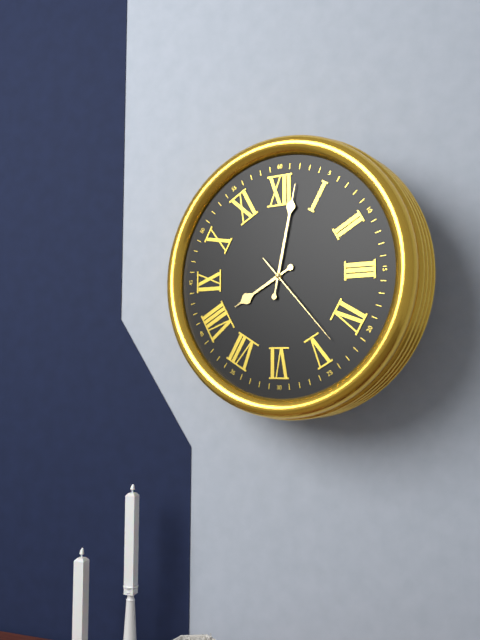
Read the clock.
8:02:23
